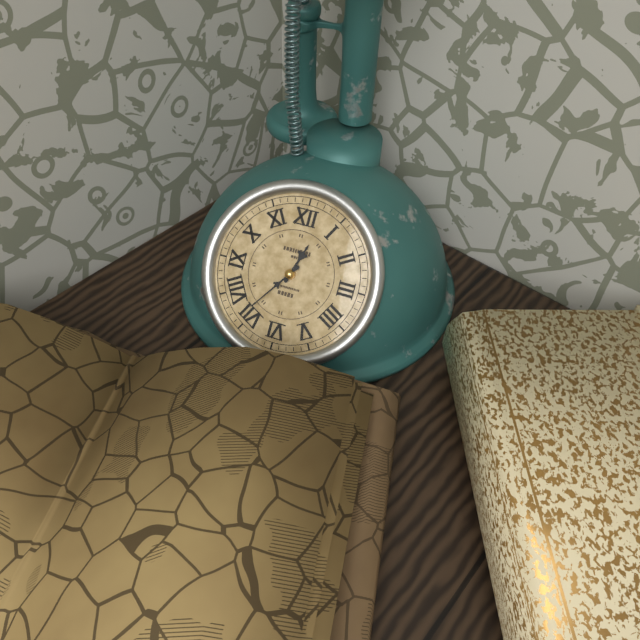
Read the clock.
12:36
